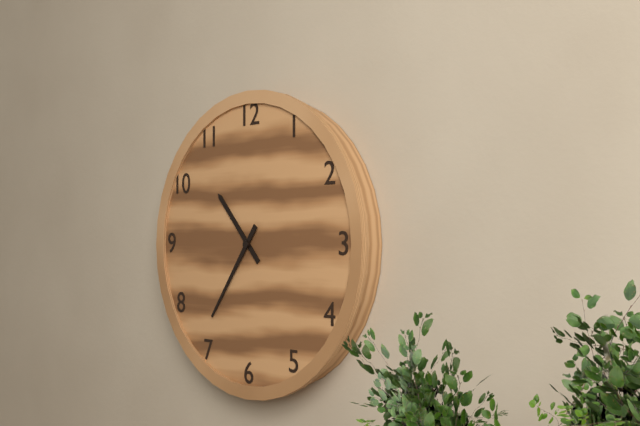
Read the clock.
10:36
